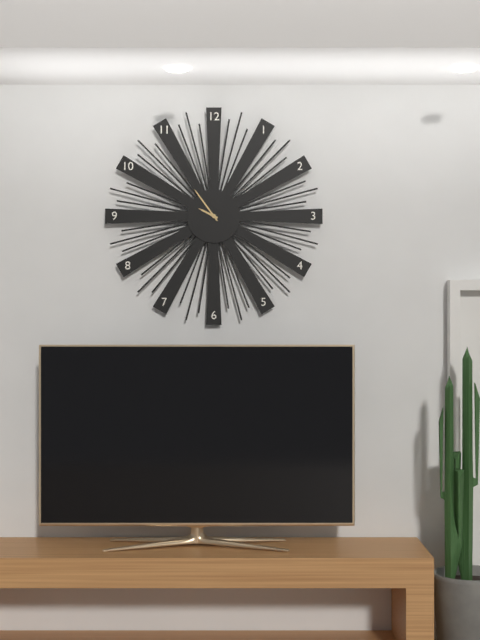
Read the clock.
9:54
